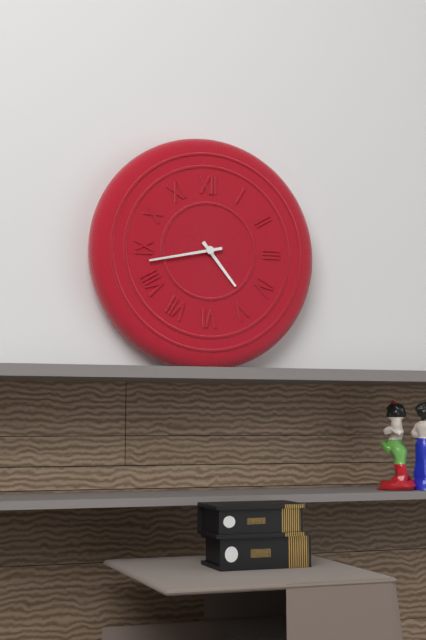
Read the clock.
4:43
